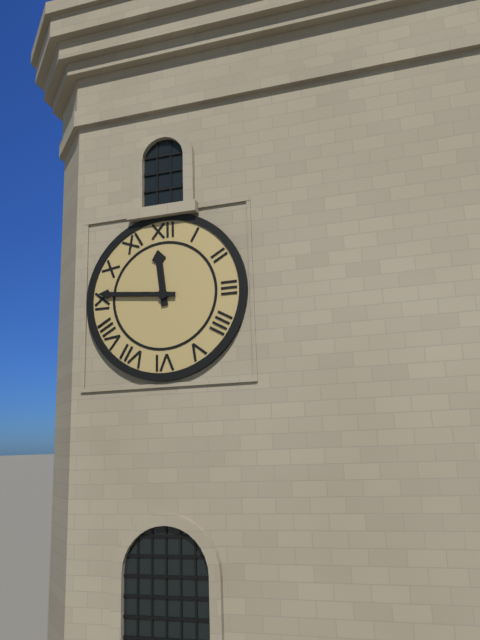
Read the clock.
11:46
